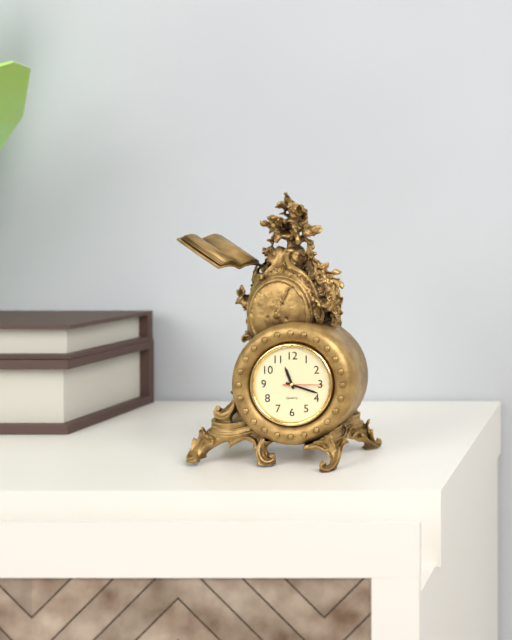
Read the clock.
11:18
